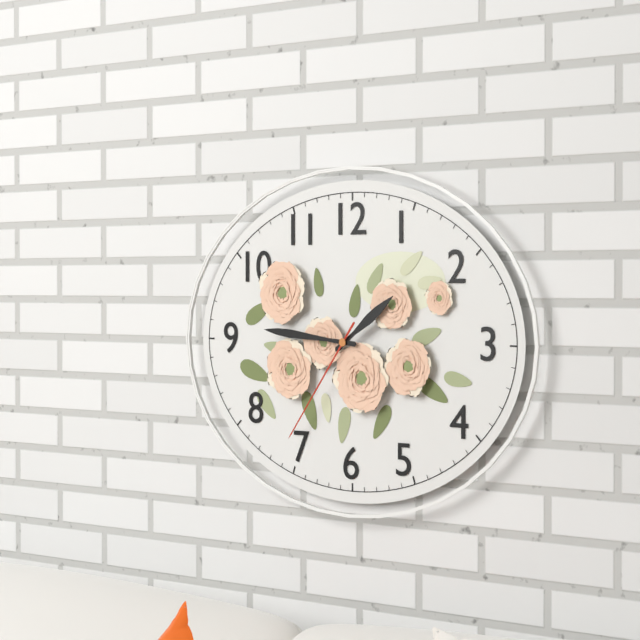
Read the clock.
1:46:36
